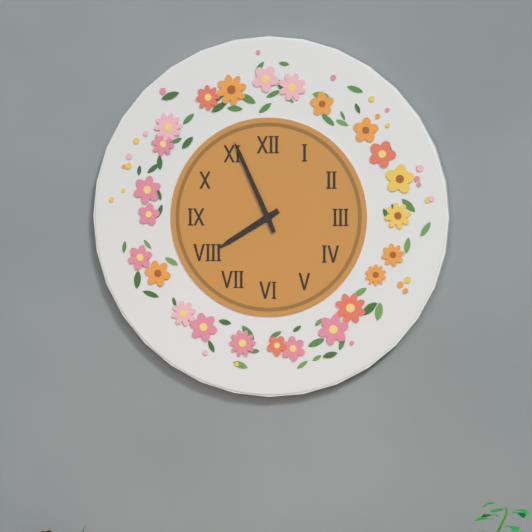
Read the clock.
7:56
